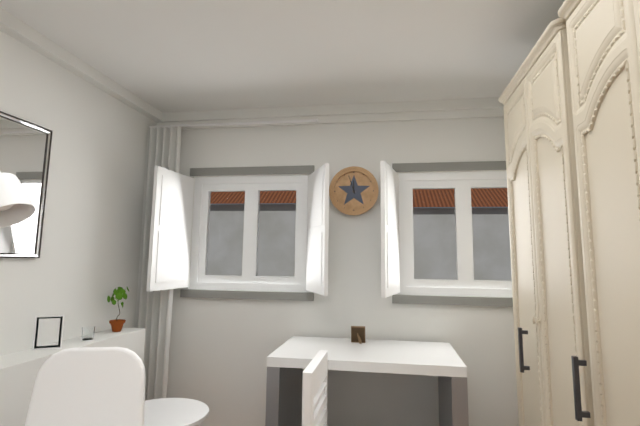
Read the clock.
11:57
